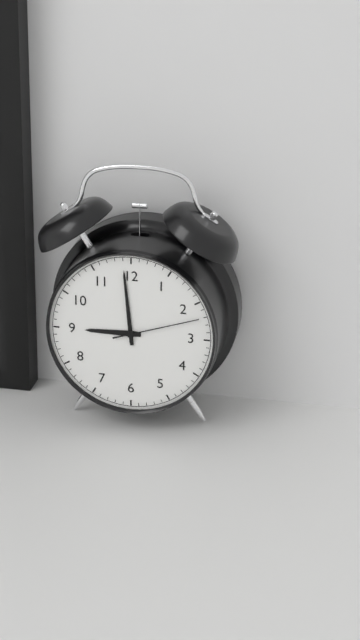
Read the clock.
8:59:12
